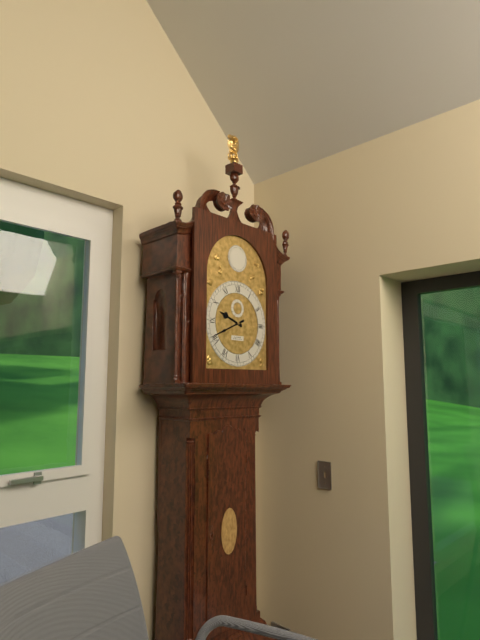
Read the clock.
9:41
